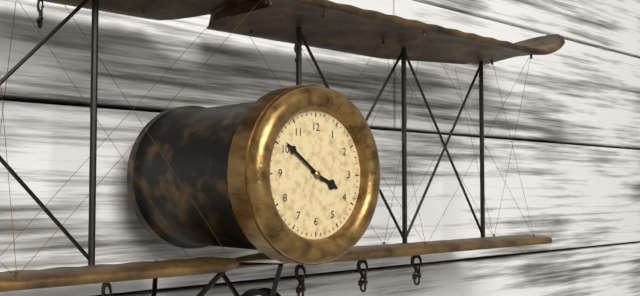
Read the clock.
3:51
